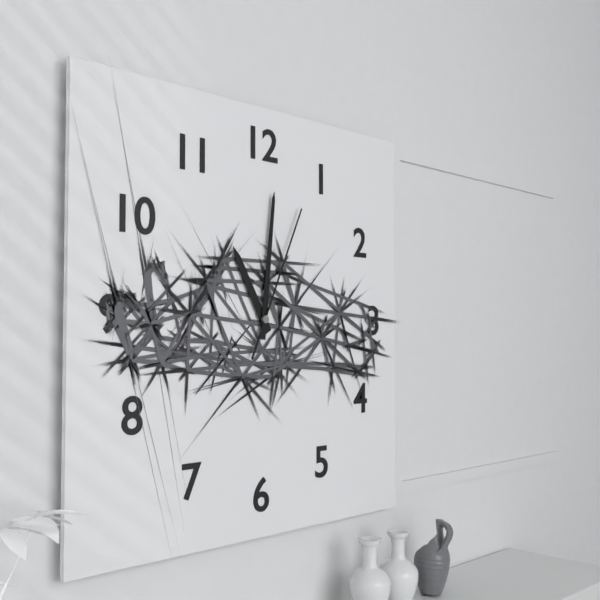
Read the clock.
11:01:04
